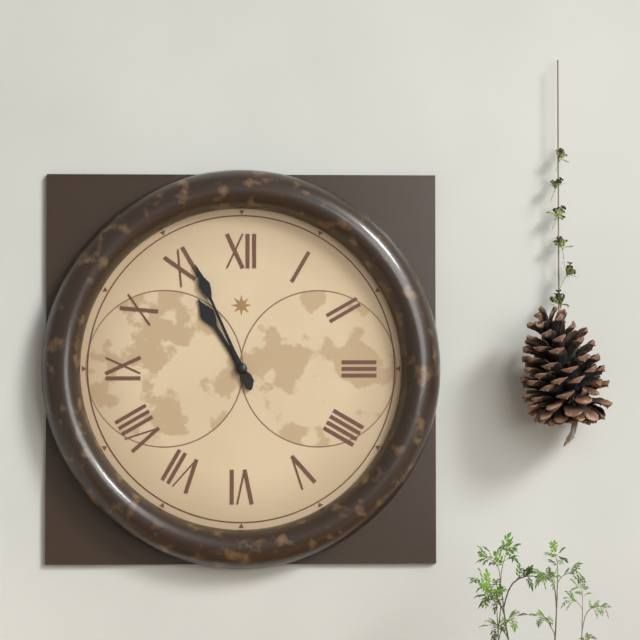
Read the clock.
10:56
